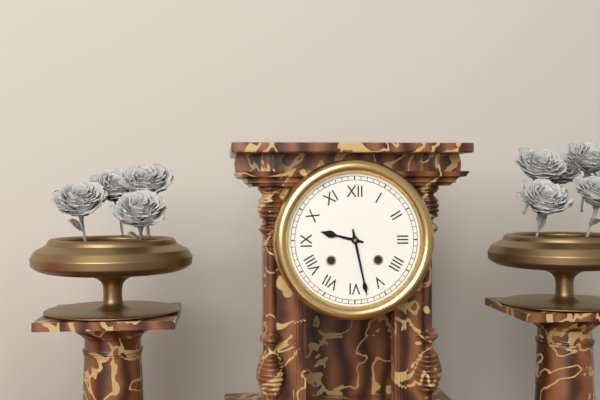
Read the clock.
9:28
